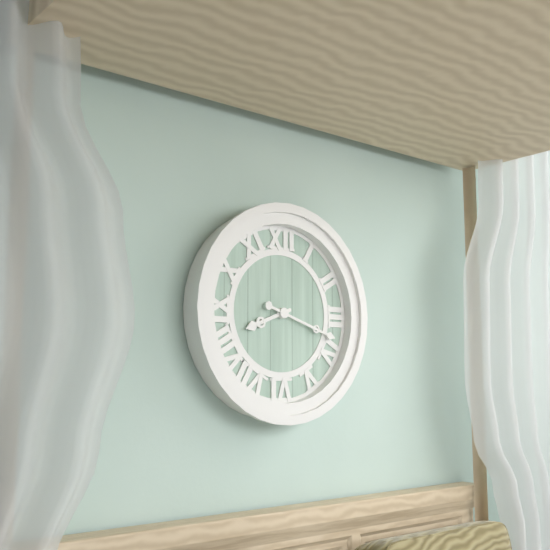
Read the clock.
8:18
